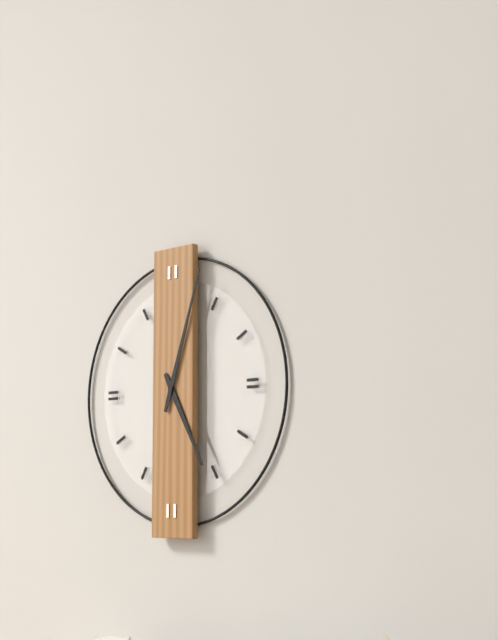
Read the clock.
5:03
